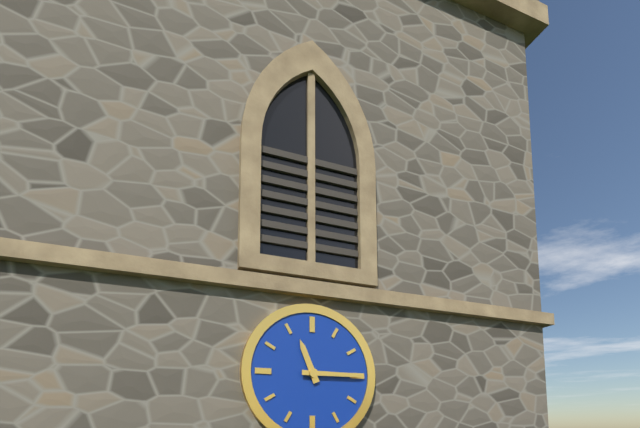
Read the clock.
11:15
